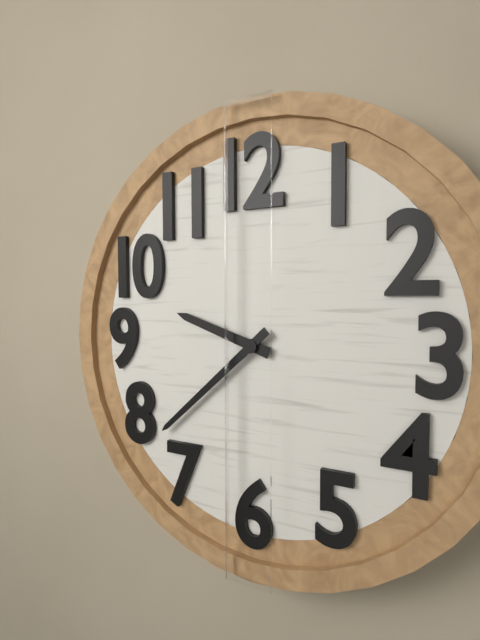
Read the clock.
9:38
